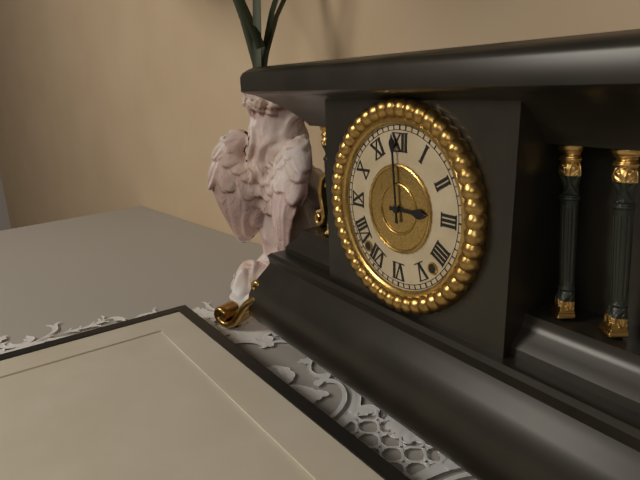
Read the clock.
2:59
